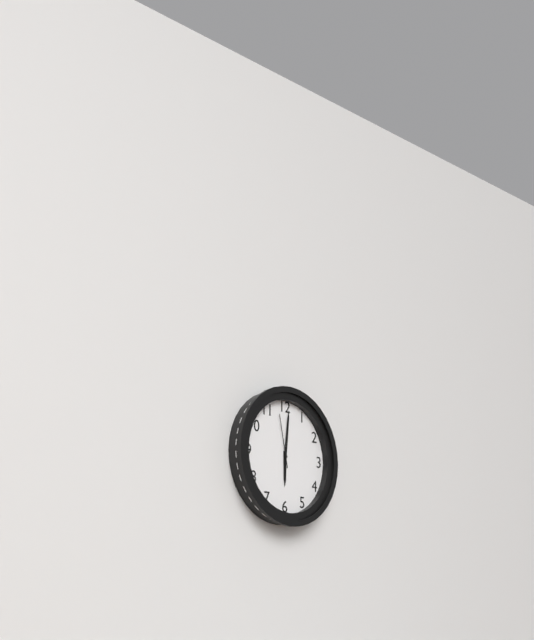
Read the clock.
6:01:58
